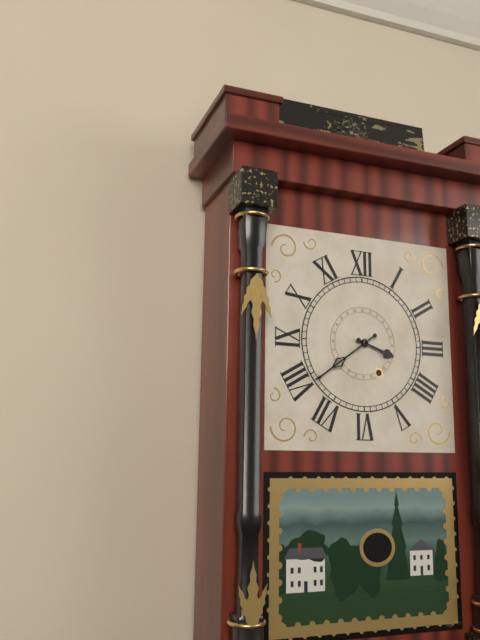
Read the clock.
3:39
